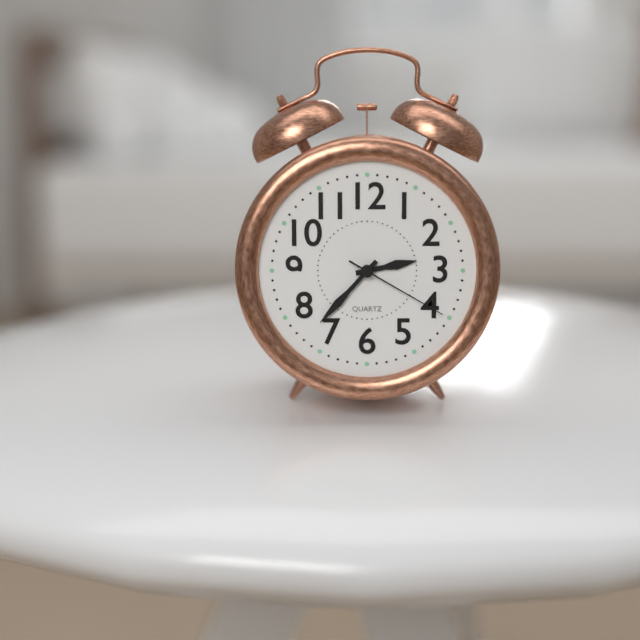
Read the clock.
2:37:20
